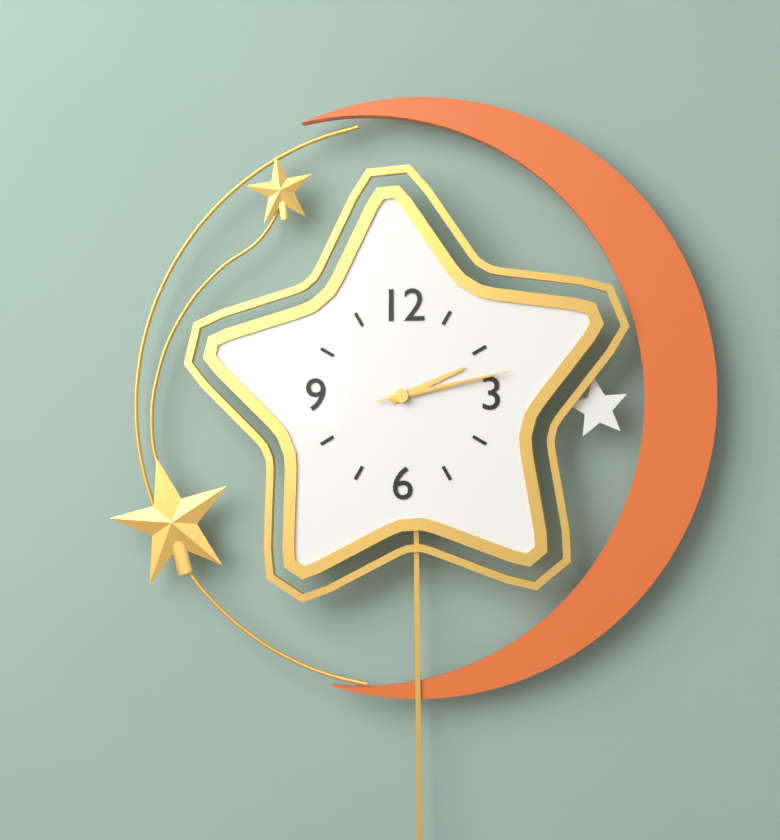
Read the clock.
2:13:13
